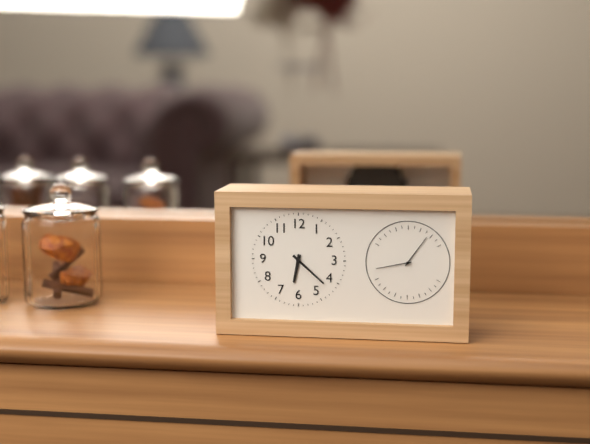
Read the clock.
6:22
